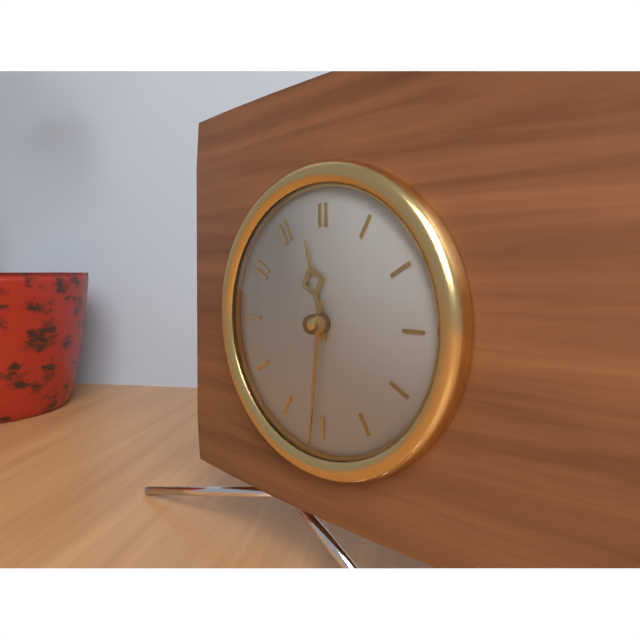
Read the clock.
11:31
